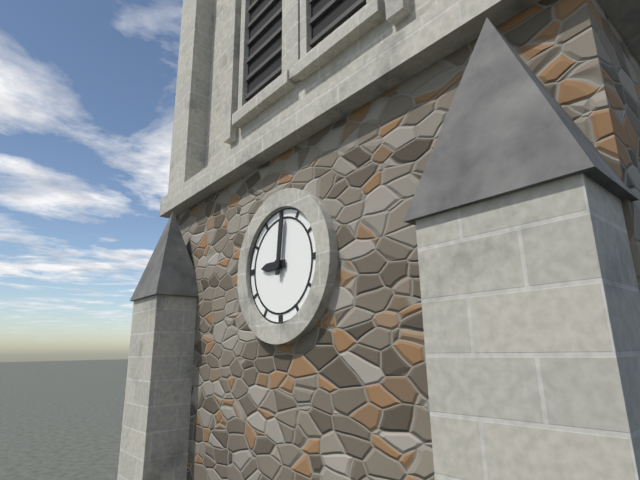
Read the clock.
9:01
